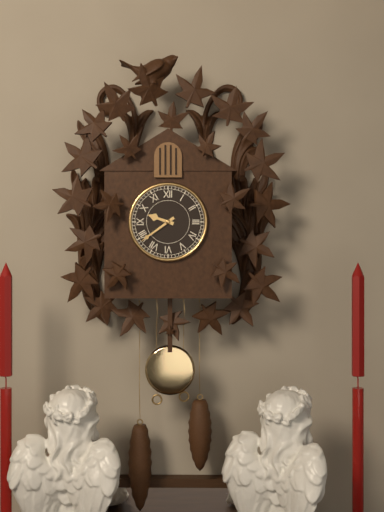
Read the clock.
9:39
